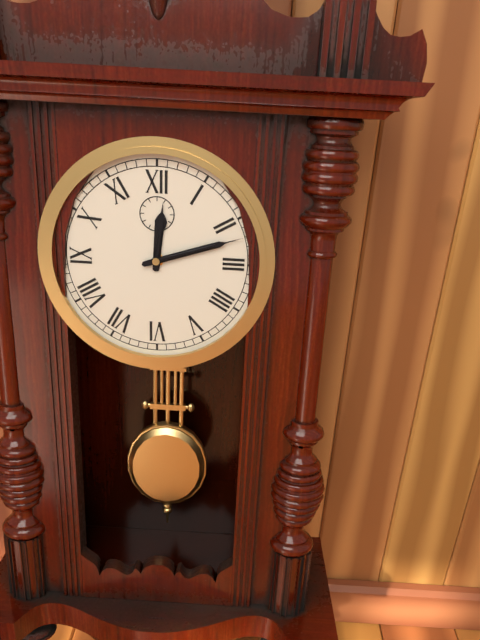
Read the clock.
12:12
